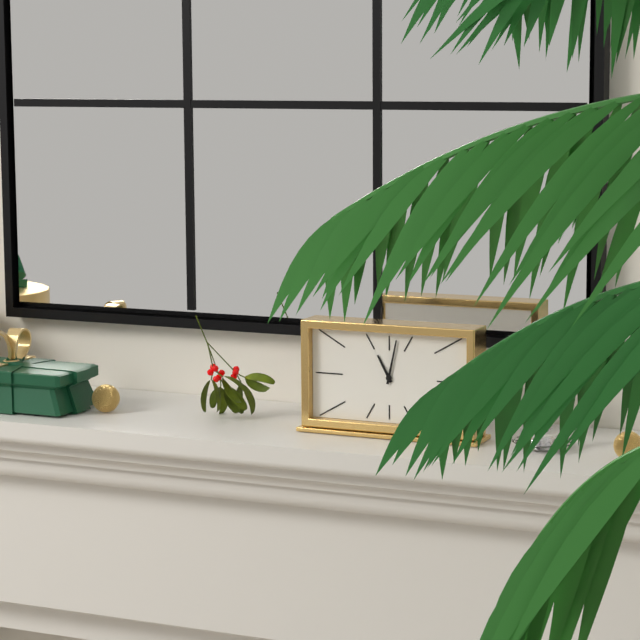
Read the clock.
11:02
